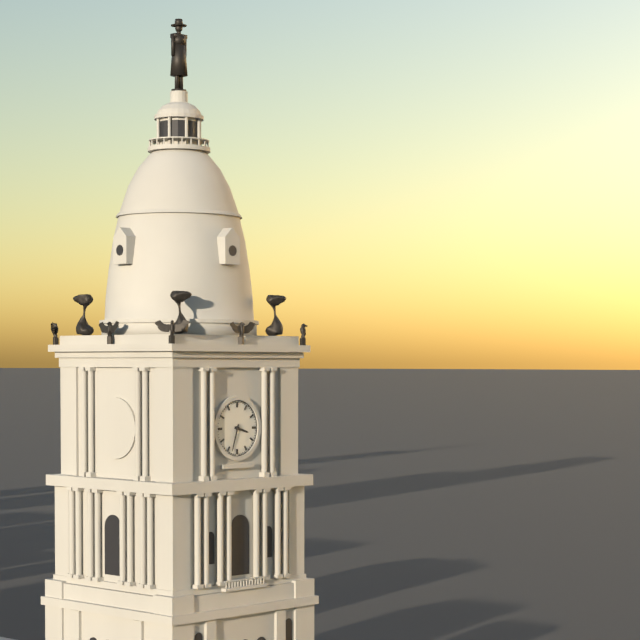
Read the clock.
3:33
